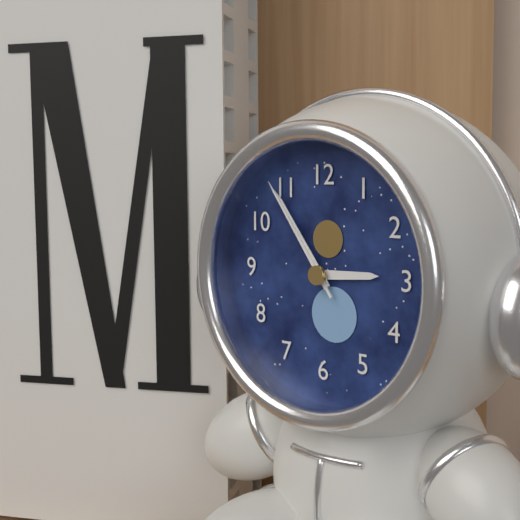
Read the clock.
2:54:54
